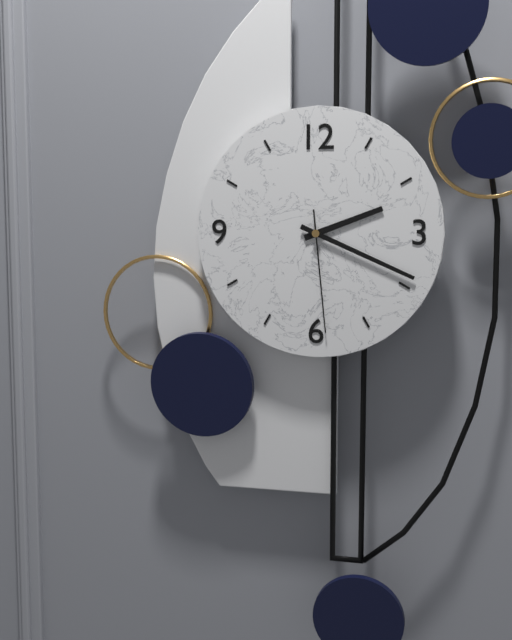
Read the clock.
2:19:29
